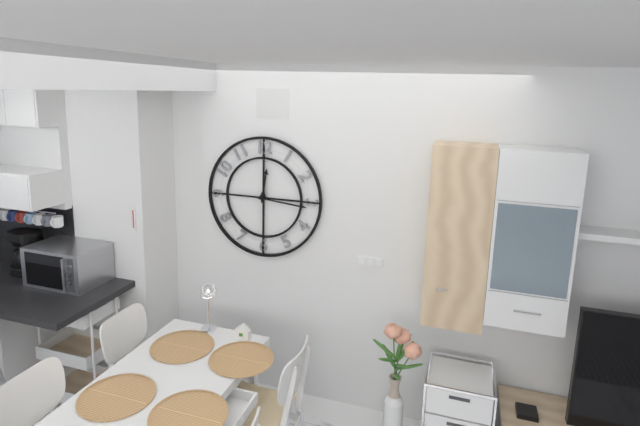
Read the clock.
12:16
